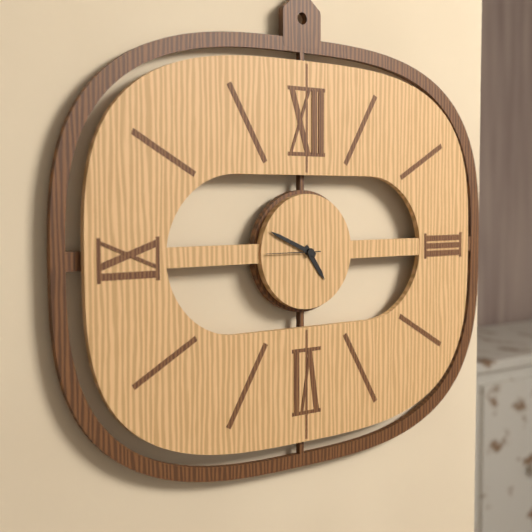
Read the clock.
4:49:45
